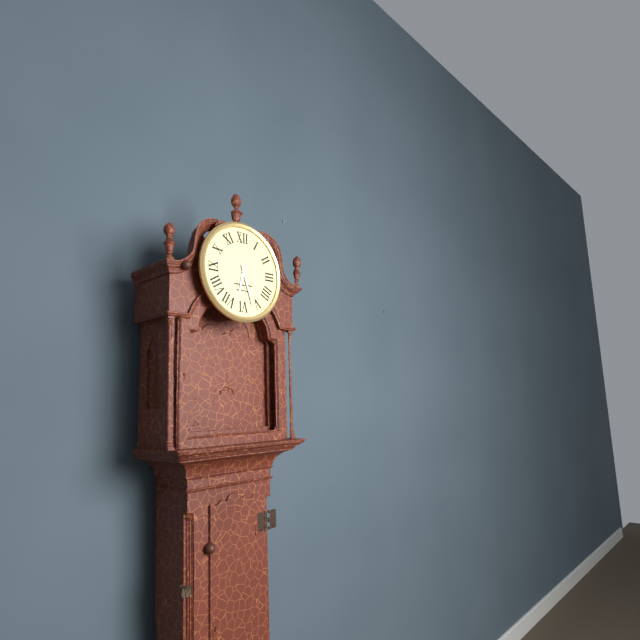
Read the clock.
6:27
